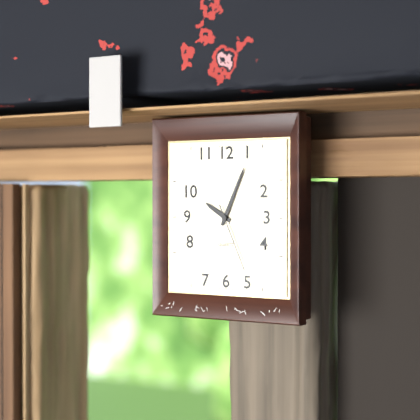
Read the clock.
10:04:26
